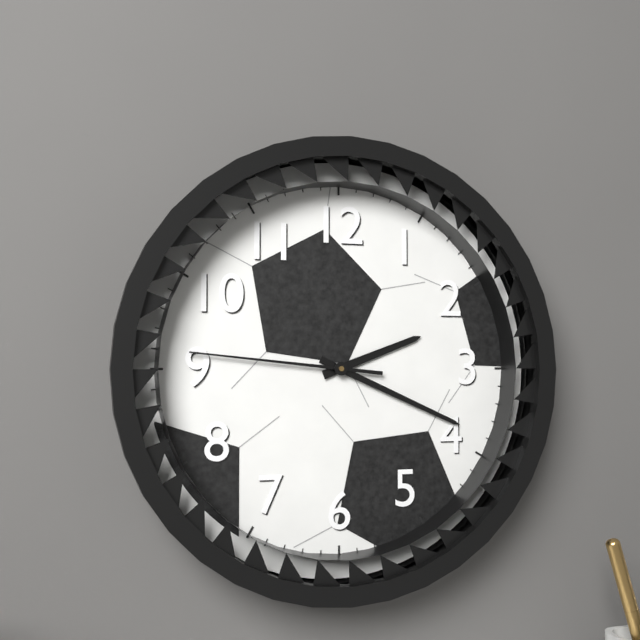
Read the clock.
2:19:46
